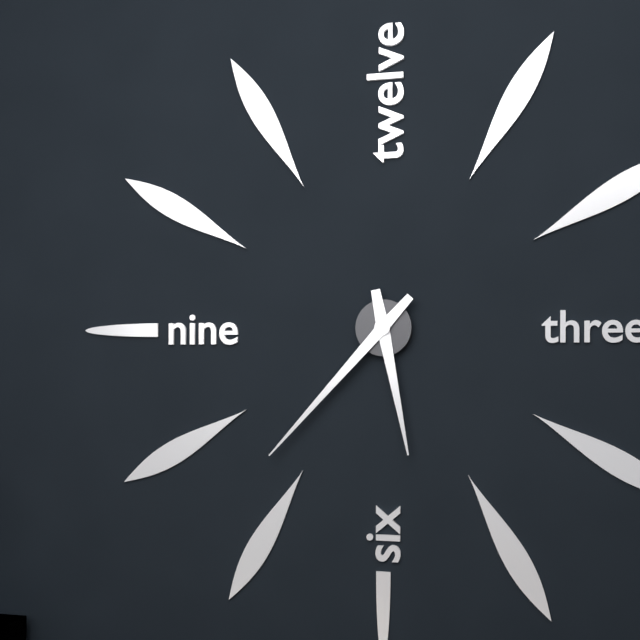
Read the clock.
5:37
